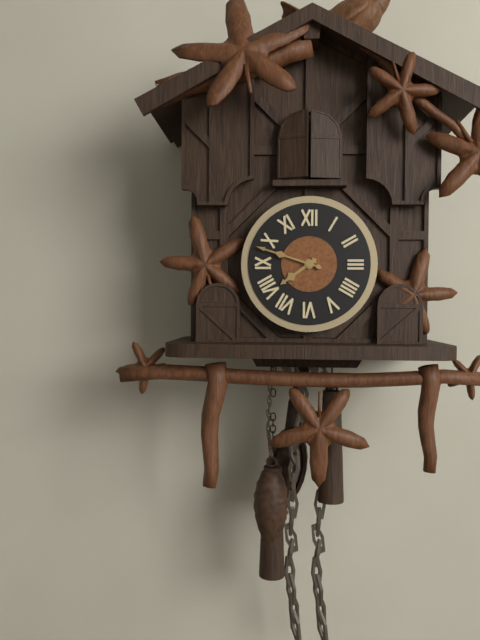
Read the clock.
7:48
